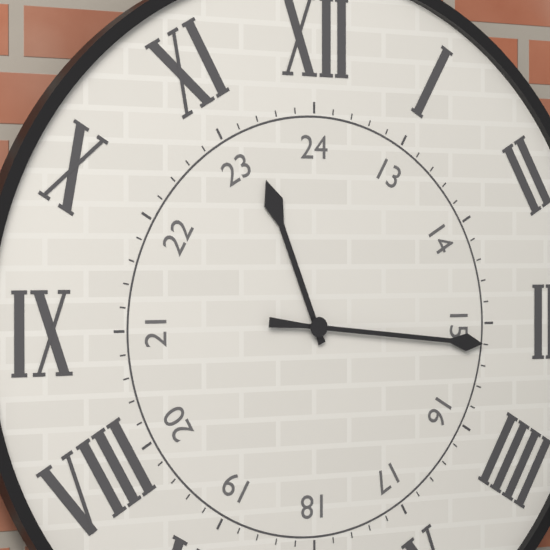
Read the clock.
11:16
